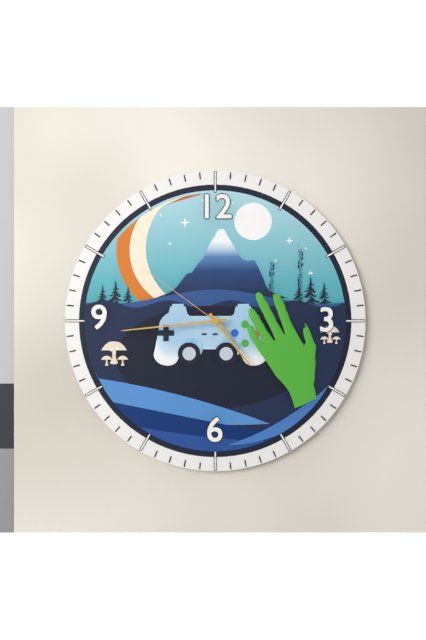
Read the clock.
4:44:51
